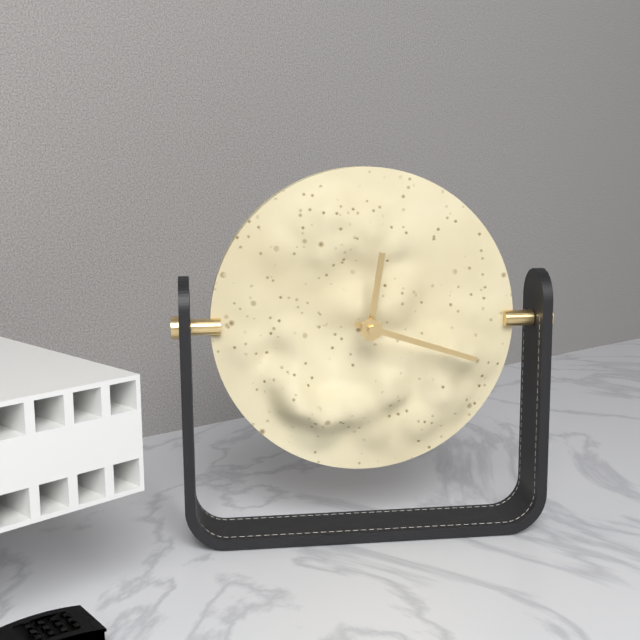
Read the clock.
12:18
